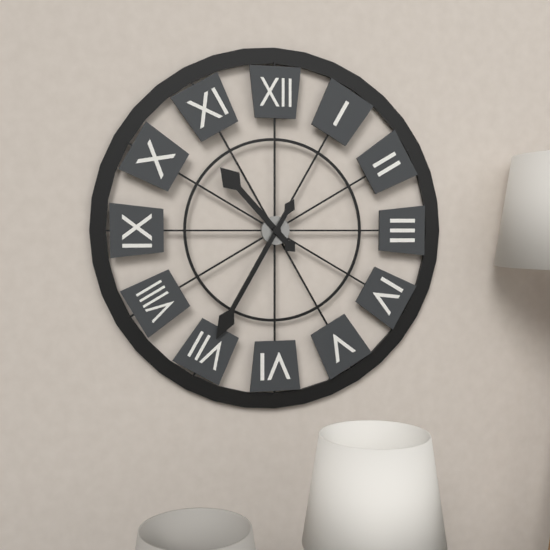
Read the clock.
10:35
